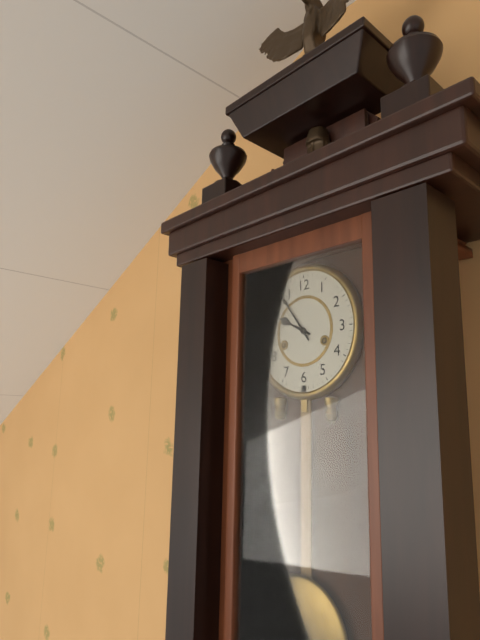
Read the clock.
9:54
